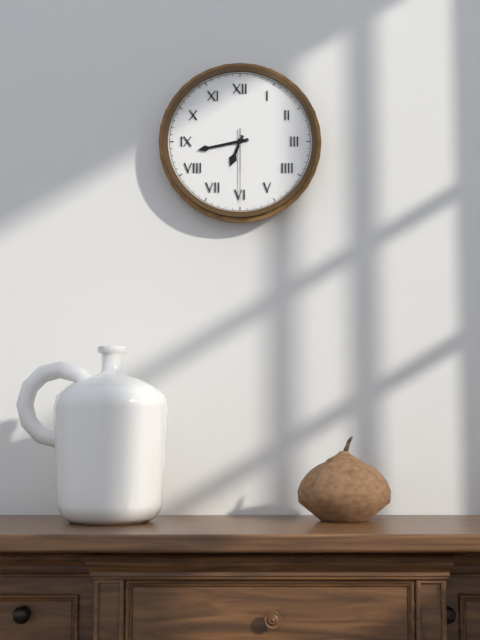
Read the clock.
6:43:30
